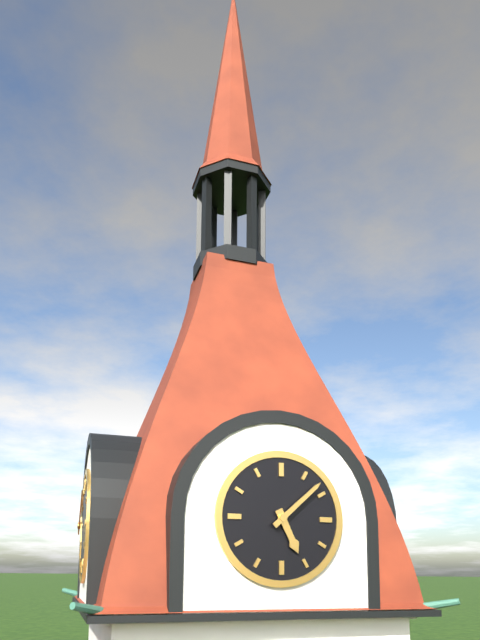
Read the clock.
5:08
